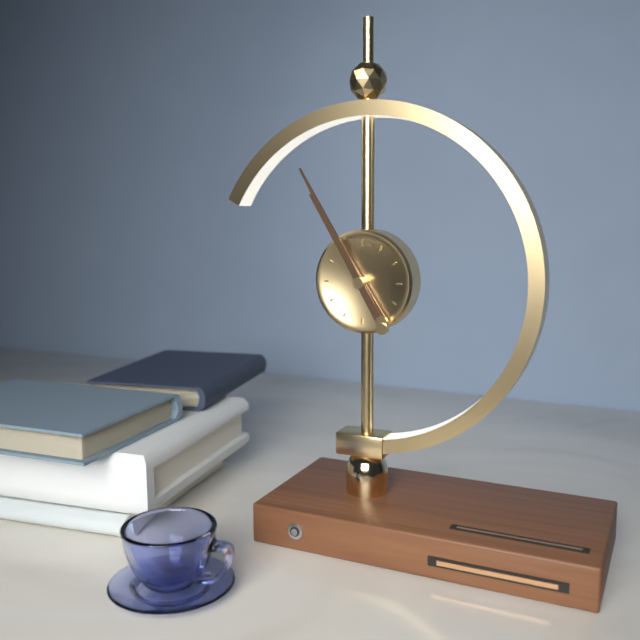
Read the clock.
10:55
